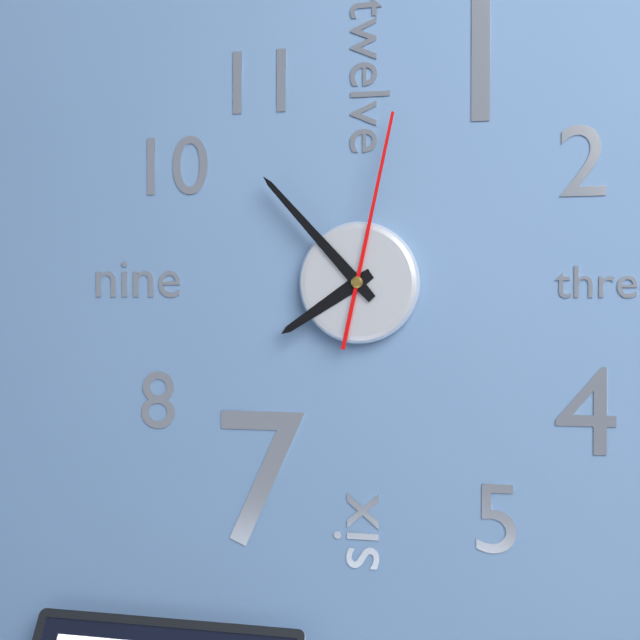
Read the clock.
7:53:02
